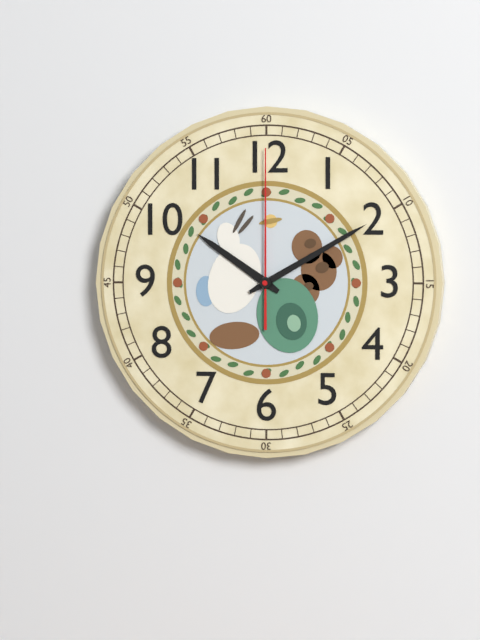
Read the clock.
10:10:00
